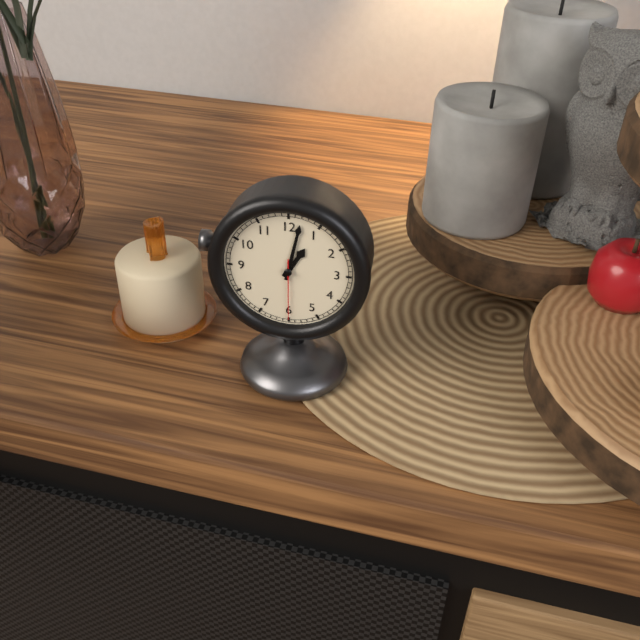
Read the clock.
1:02:30
